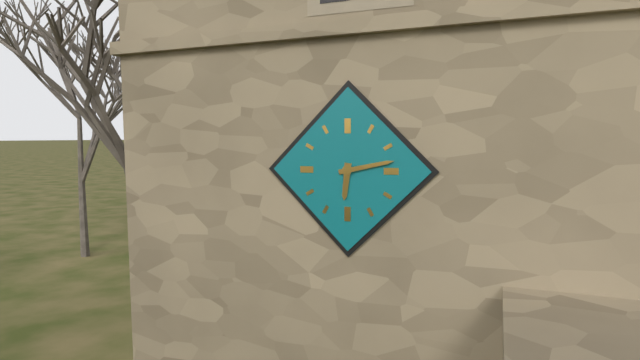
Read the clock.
6:13
